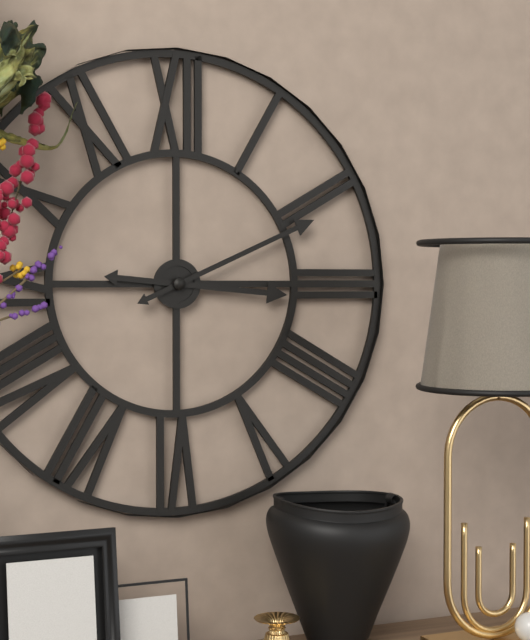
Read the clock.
3:11
